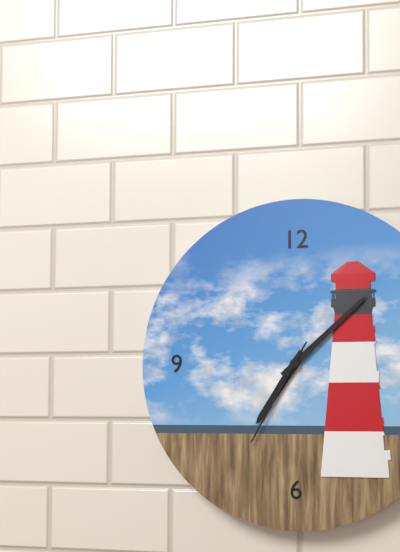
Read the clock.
7:08:35
